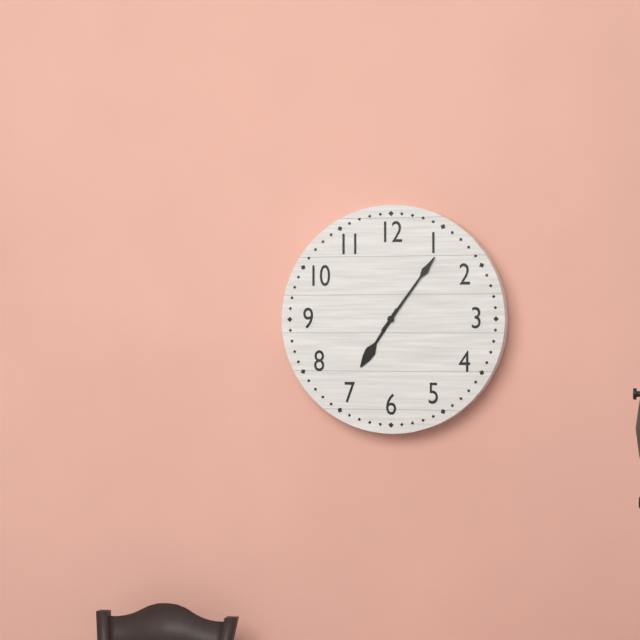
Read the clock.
7:06
